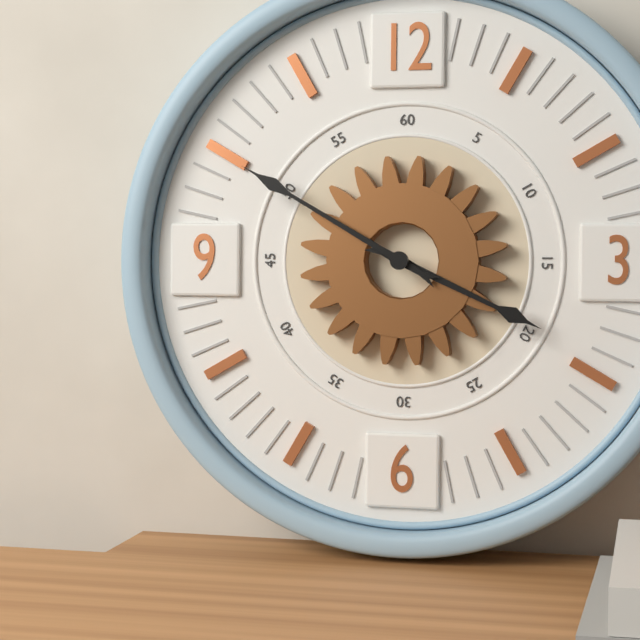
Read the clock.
3:50
